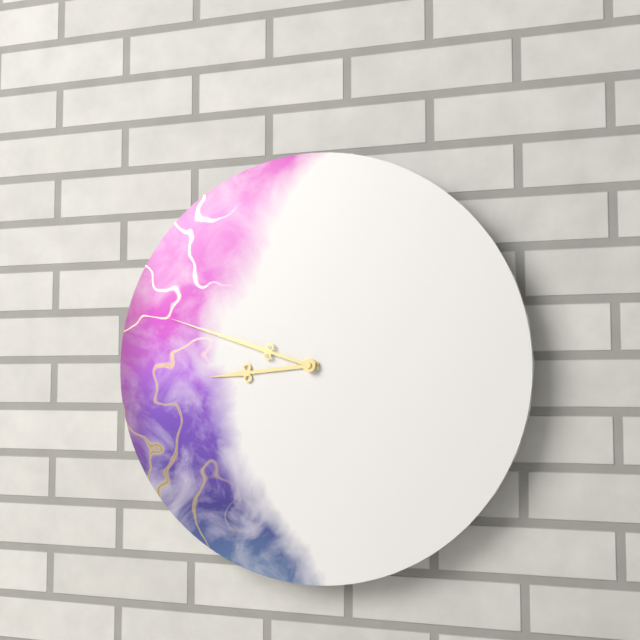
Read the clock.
8:48
